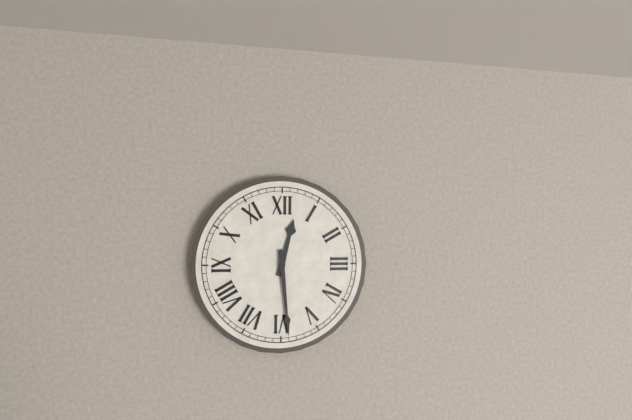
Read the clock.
12:29
